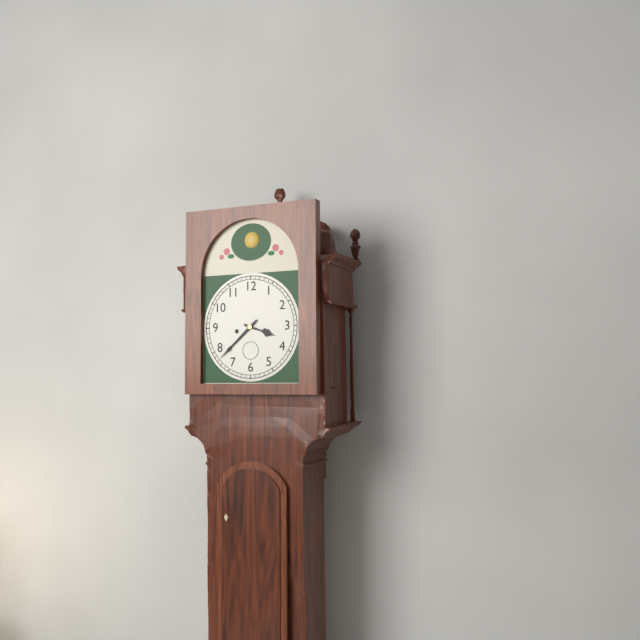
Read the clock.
3:38
